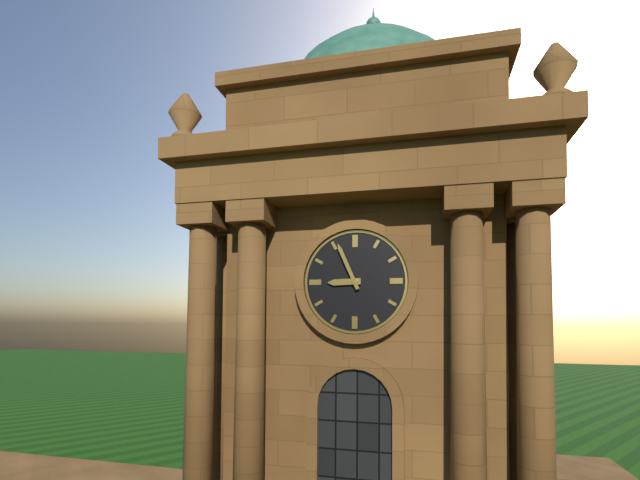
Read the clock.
8:56
